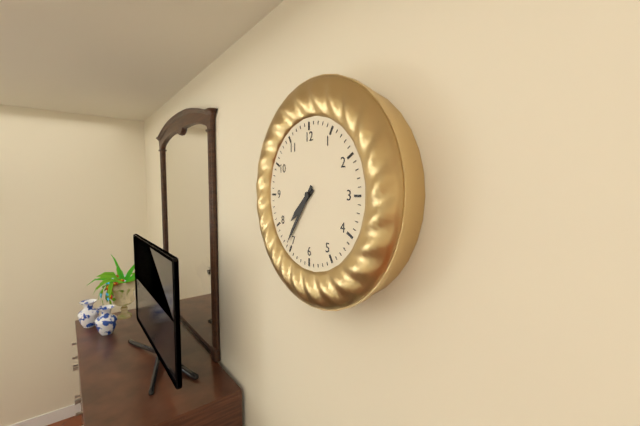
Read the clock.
7:36
